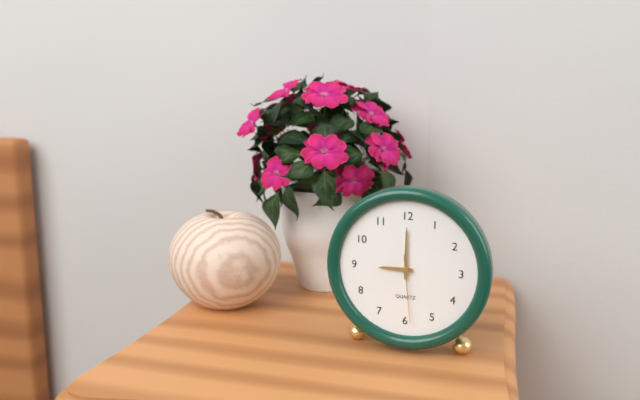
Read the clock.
9:00:29
